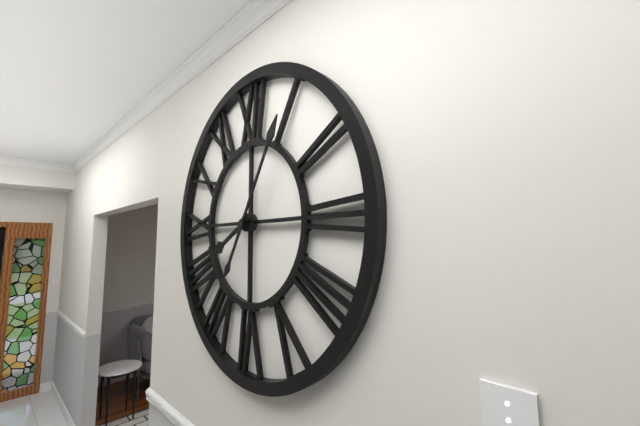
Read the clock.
8:05
